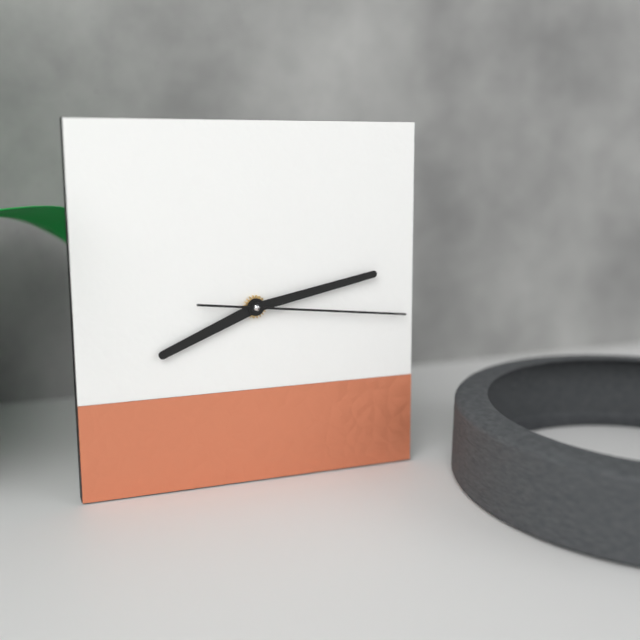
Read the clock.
8:13:16
